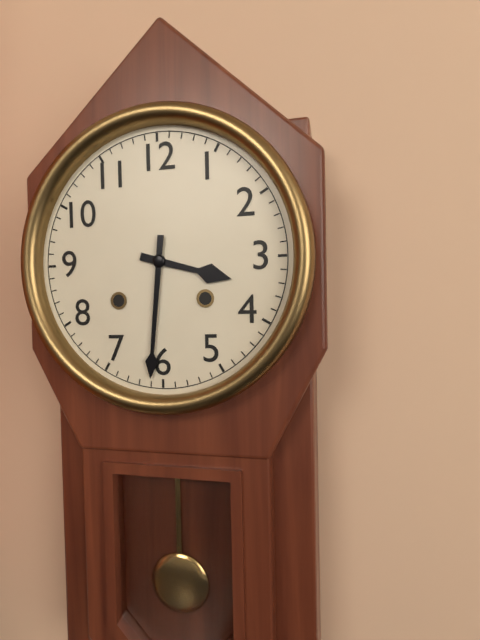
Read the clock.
3:31
